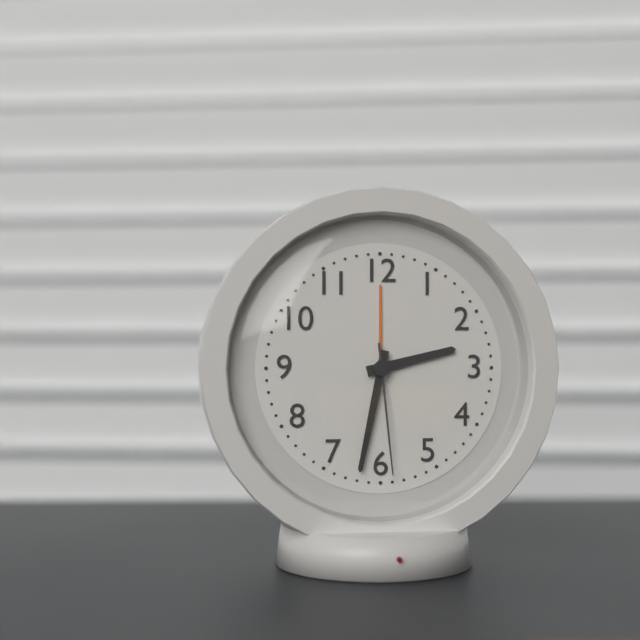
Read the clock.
2:32:29
